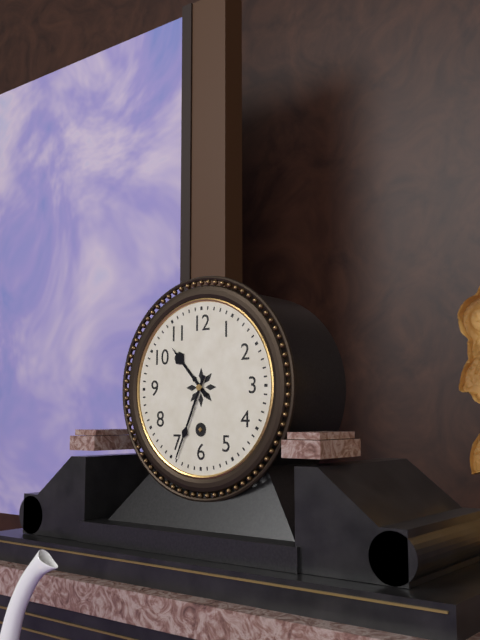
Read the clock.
10:34
